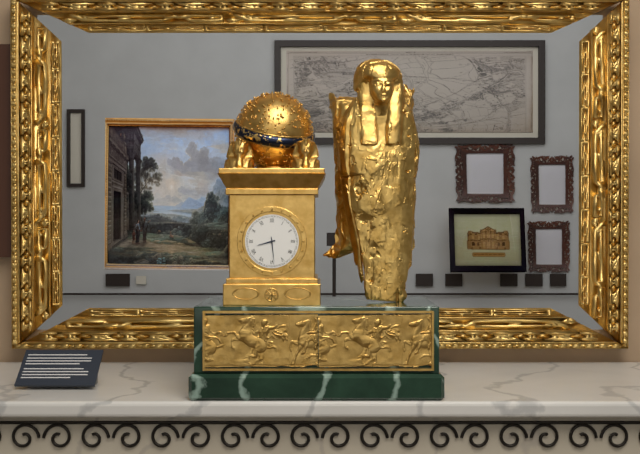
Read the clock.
8:29
